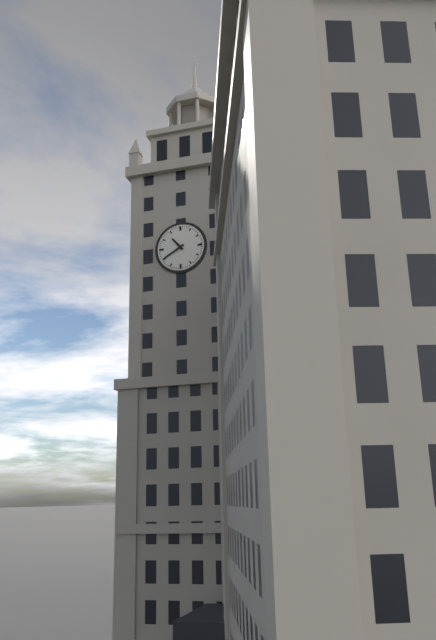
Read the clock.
10:40
